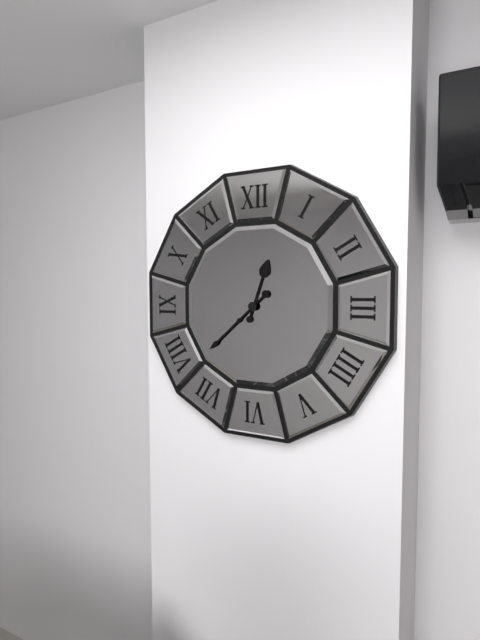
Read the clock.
12:38
